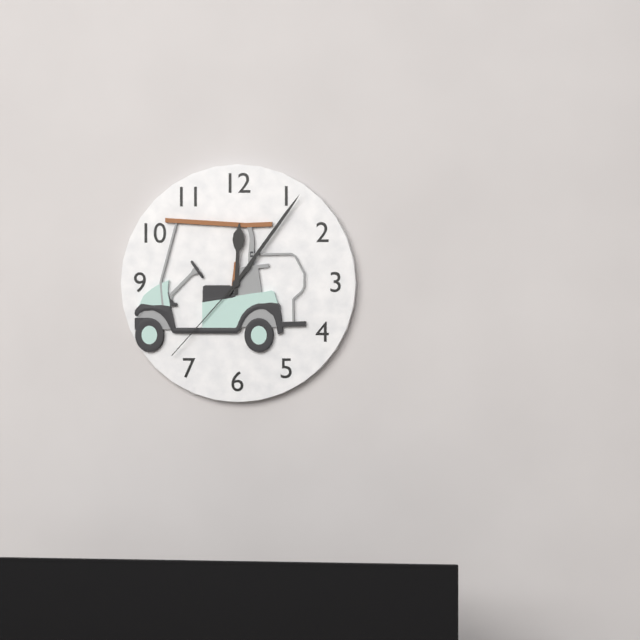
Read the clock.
12:06:37
